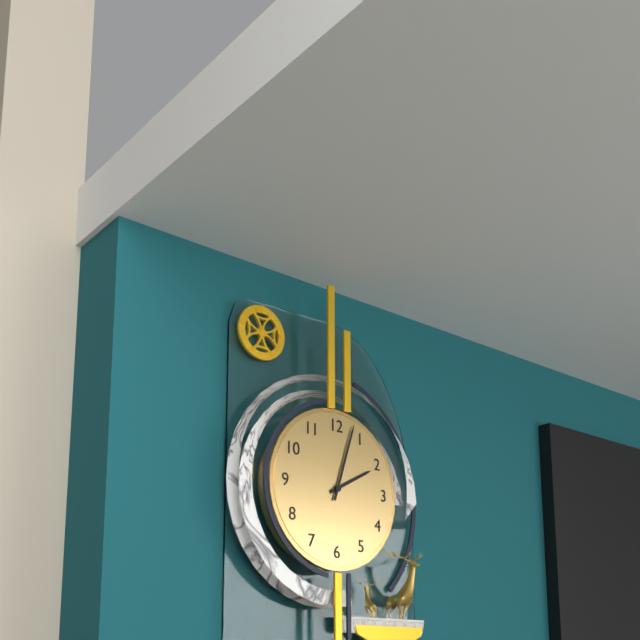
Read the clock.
2:03
